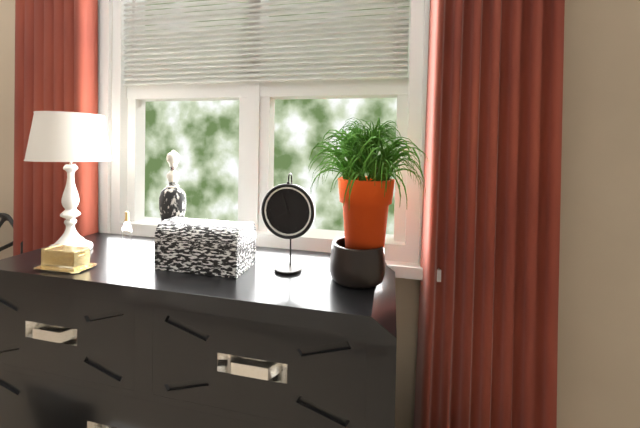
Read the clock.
7:57
